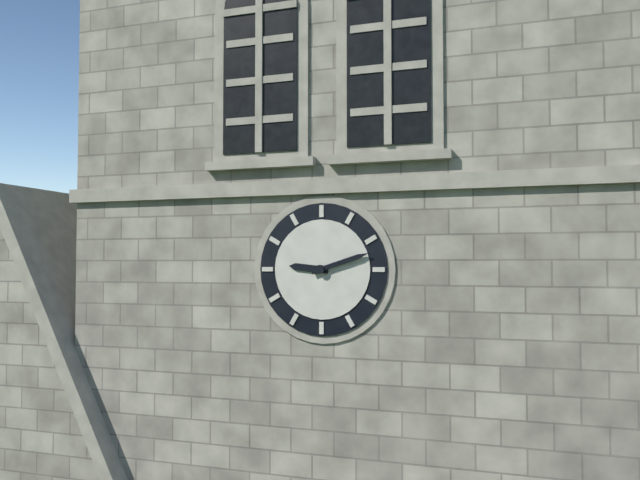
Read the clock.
9:12
